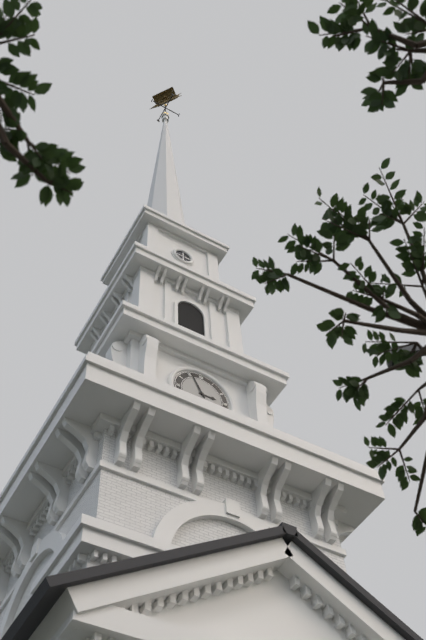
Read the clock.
2:56
